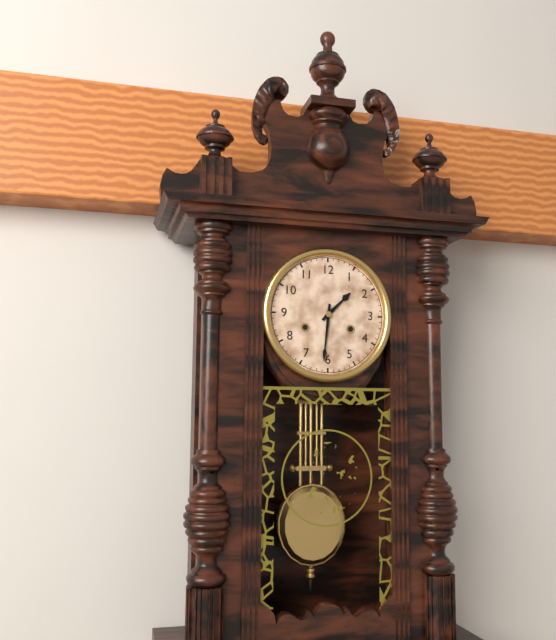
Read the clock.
1:31
